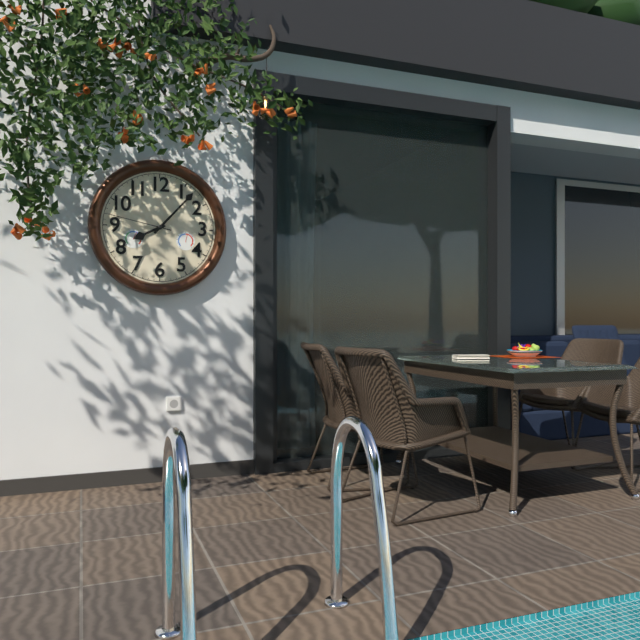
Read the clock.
8:07:47
